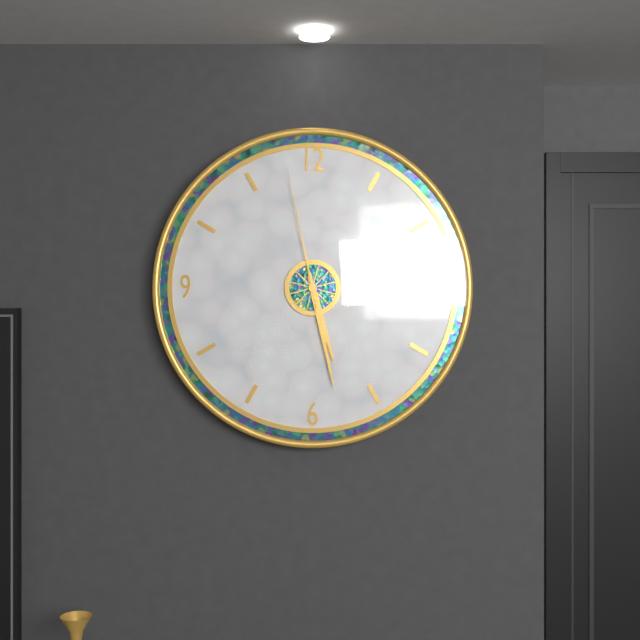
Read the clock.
5:28:58
